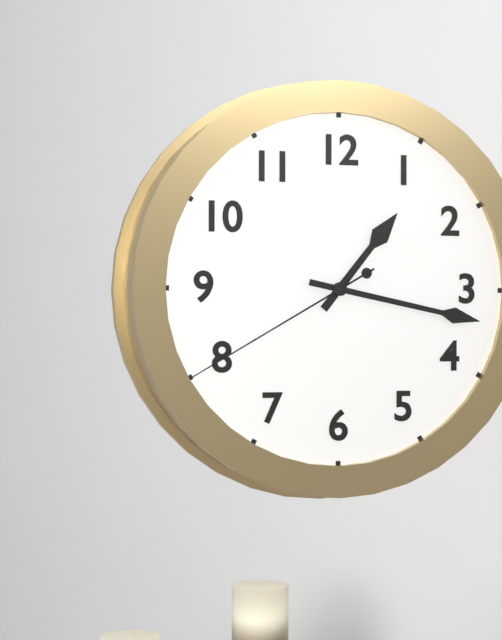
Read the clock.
1:17:40
